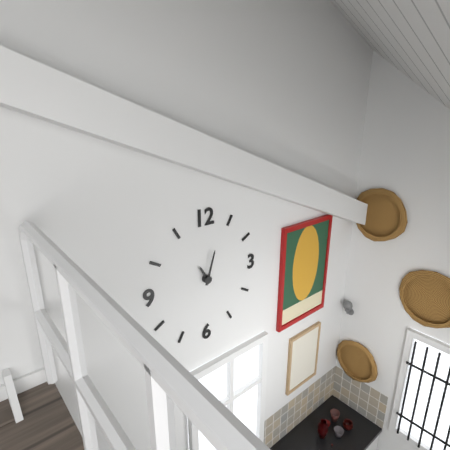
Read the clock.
11:03
